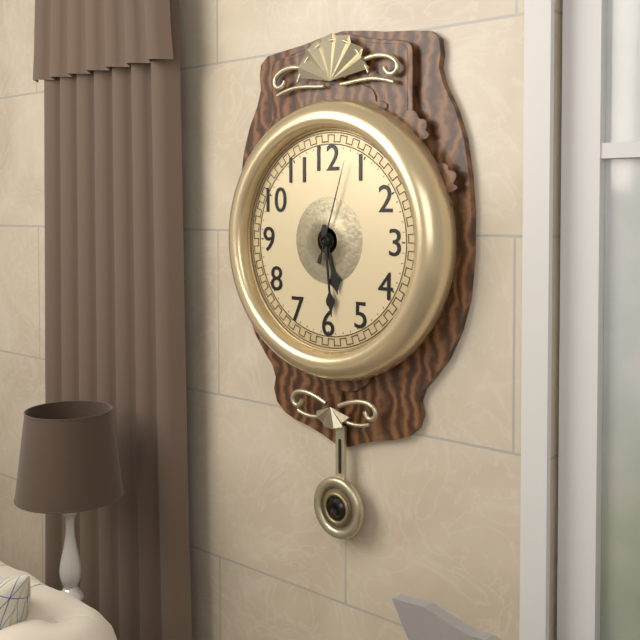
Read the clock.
5:29:03
